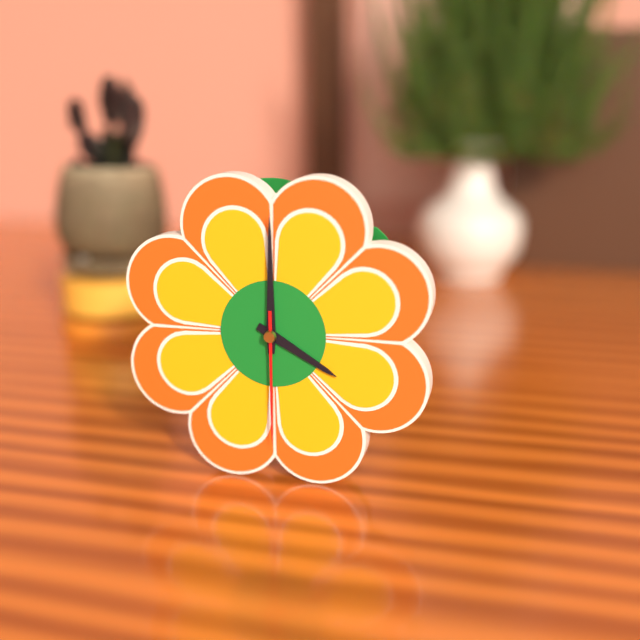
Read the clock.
4:00:30
